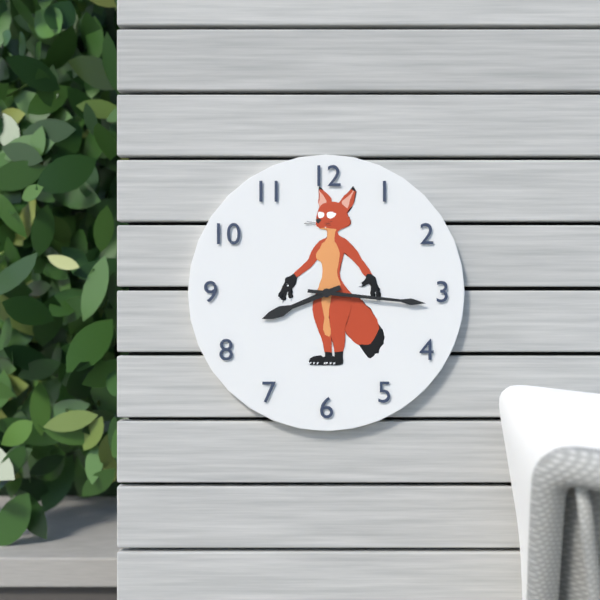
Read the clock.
8:16
